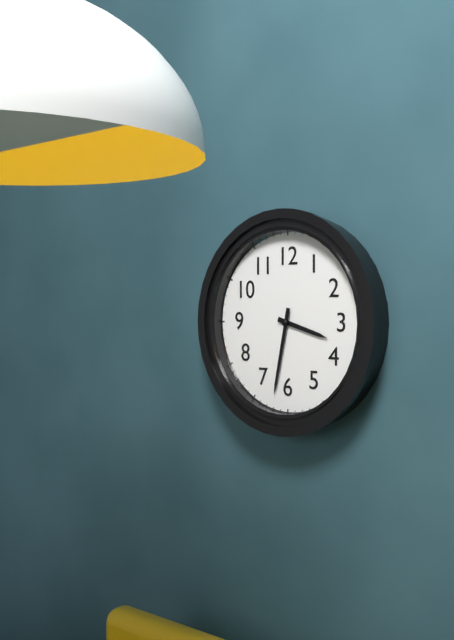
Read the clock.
3:32
